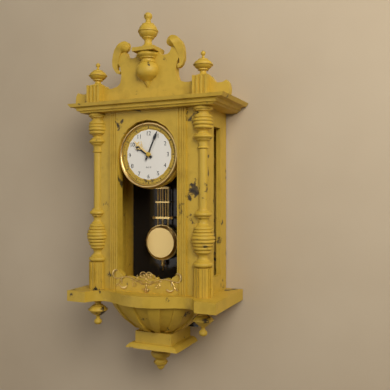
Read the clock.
10:04
